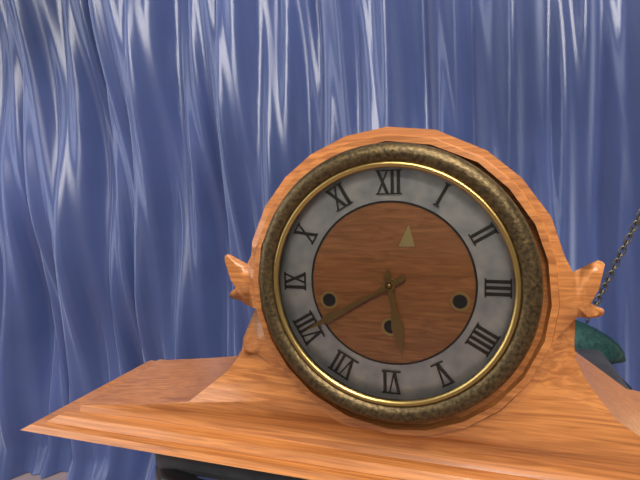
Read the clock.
5:40
